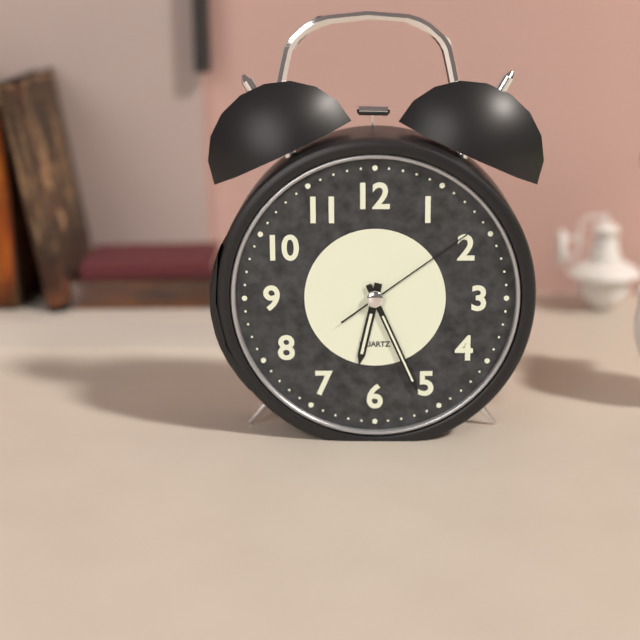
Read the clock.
6:26:09
